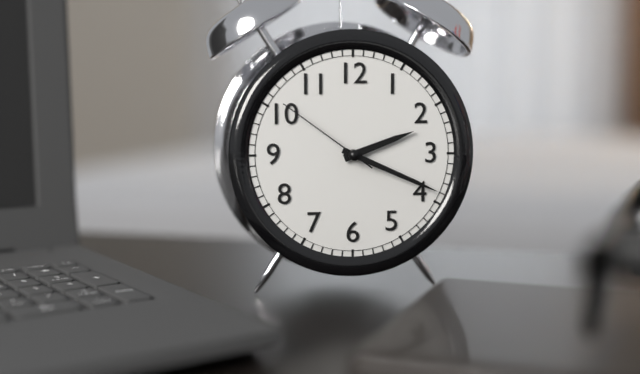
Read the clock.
2:19:51
